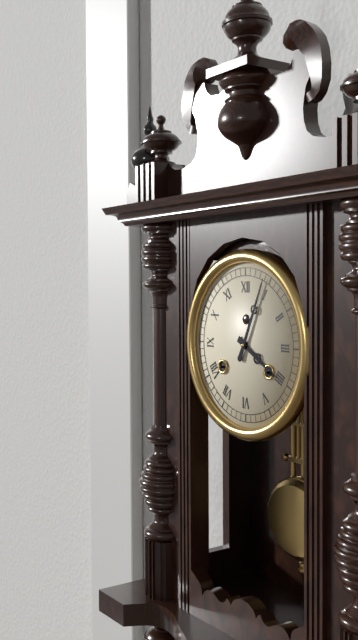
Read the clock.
4:04
